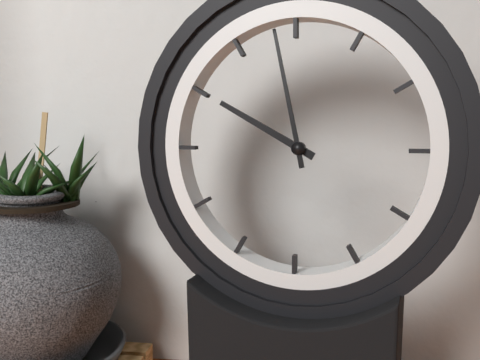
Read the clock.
9:58
